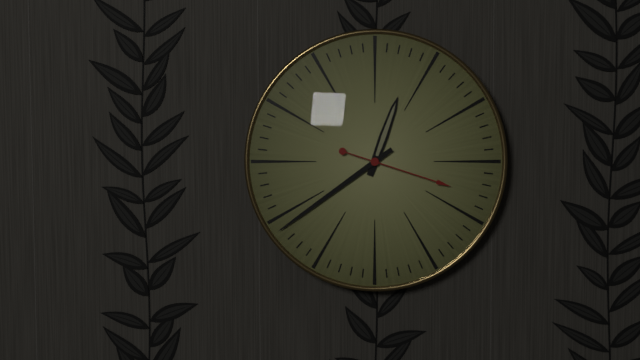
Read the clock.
12:39:18
